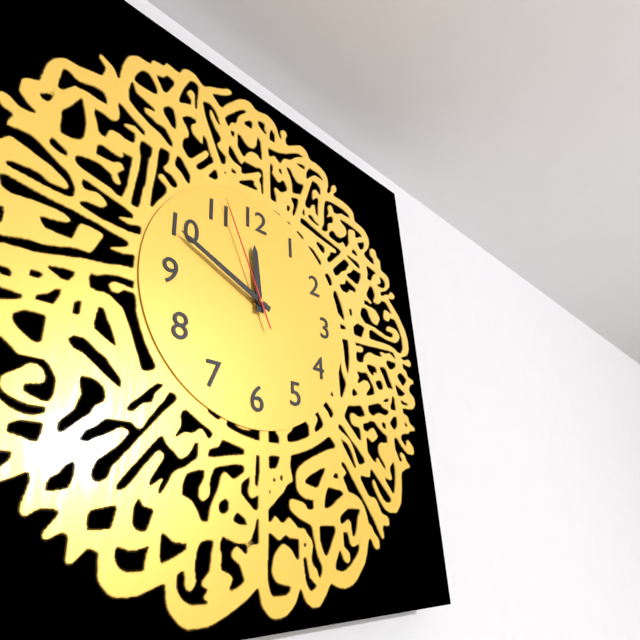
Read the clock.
11:49:56
